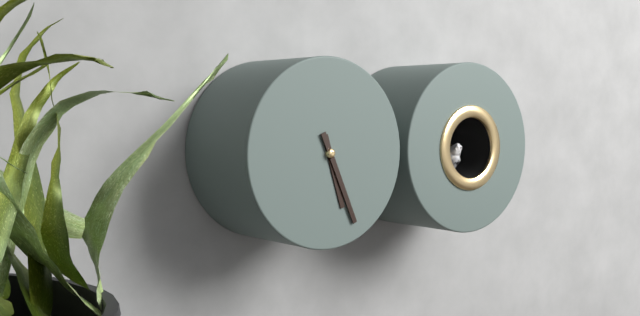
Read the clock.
5:26
